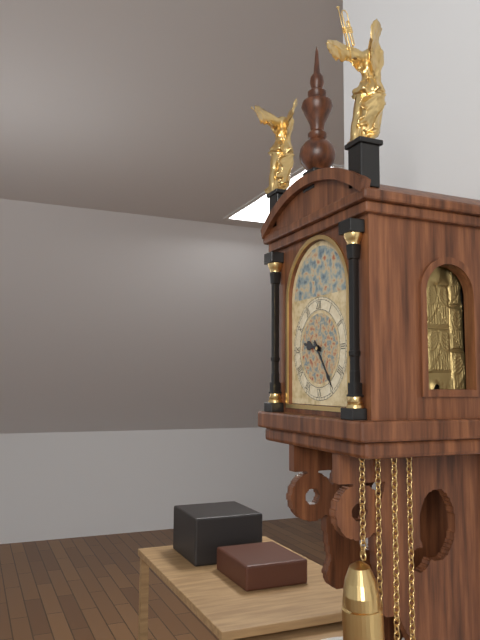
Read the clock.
9:24
